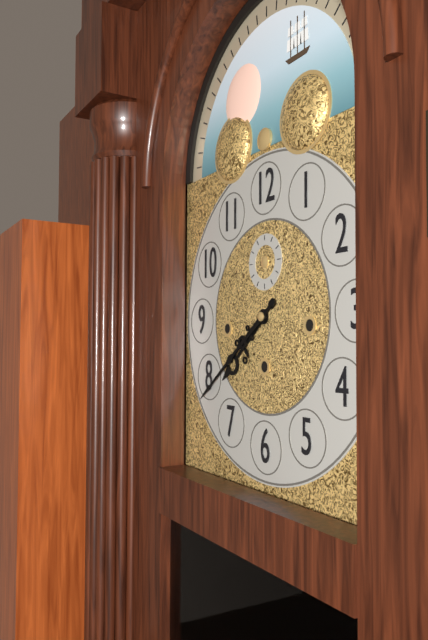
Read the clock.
7:39
